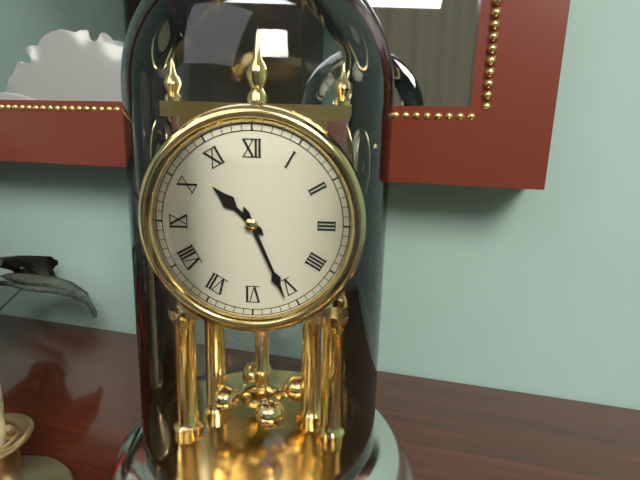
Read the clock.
10:26
